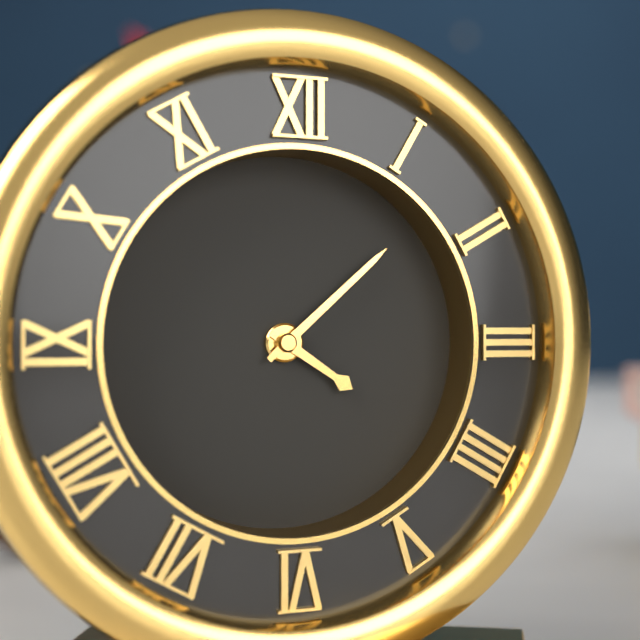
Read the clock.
4:08
